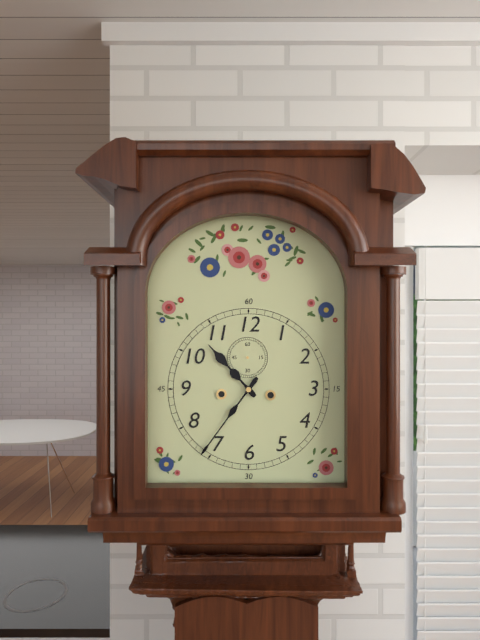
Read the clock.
10:36
